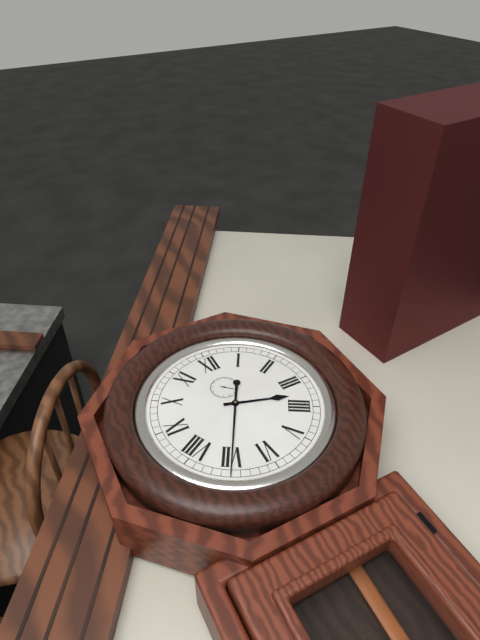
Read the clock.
3:35
